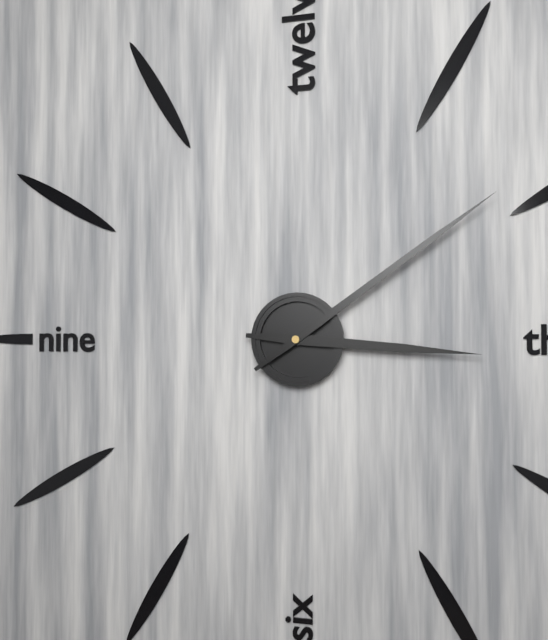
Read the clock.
3:09
